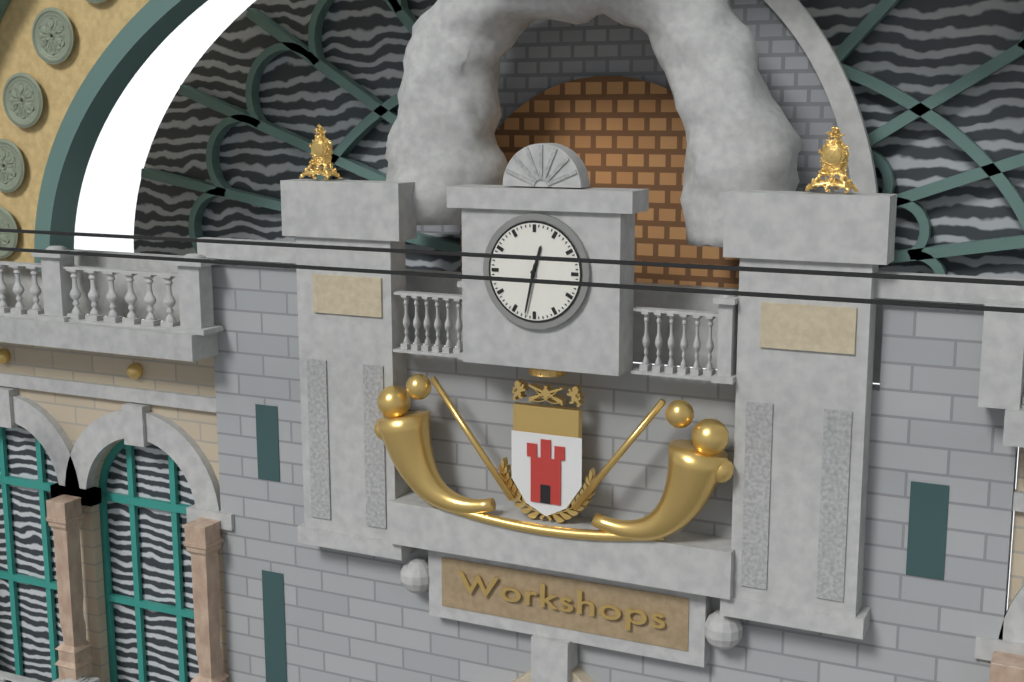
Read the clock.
12:32
